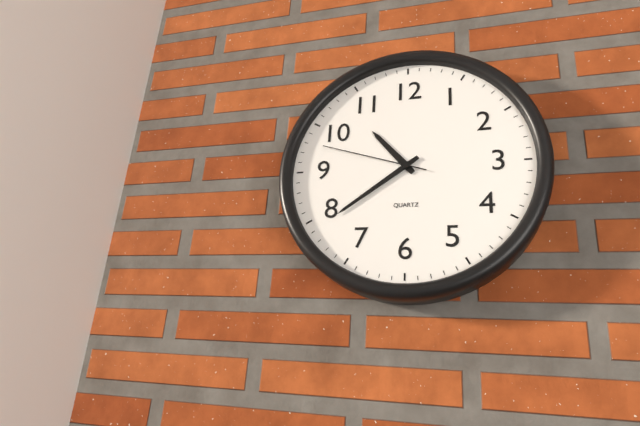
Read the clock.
10:39:48
